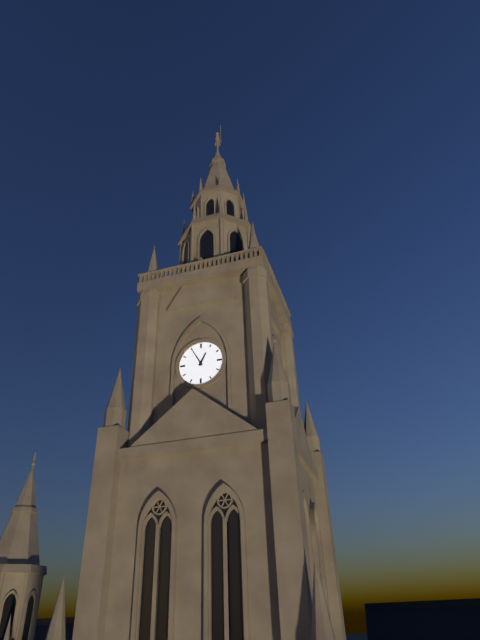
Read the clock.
12:55
